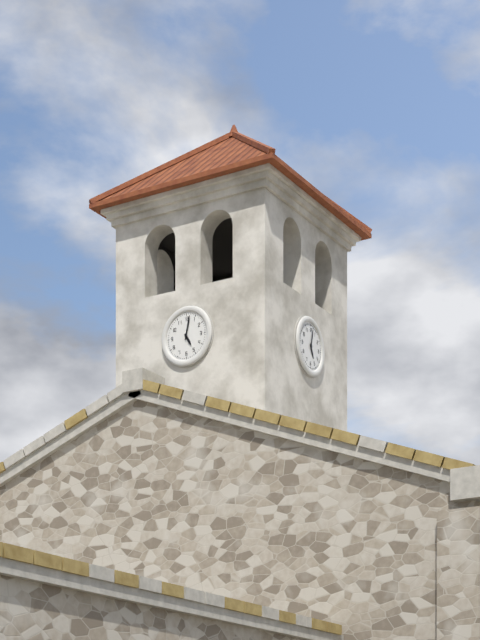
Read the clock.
5:02
